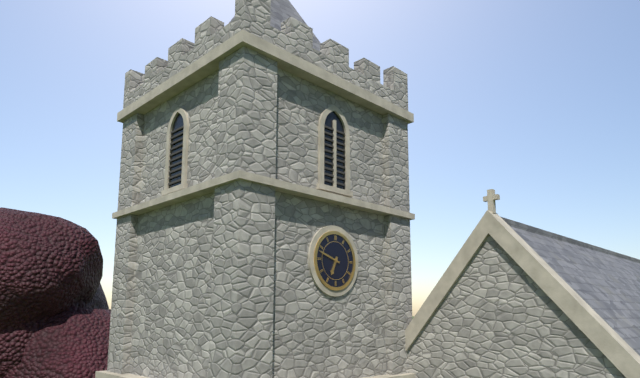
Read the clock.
6:48
